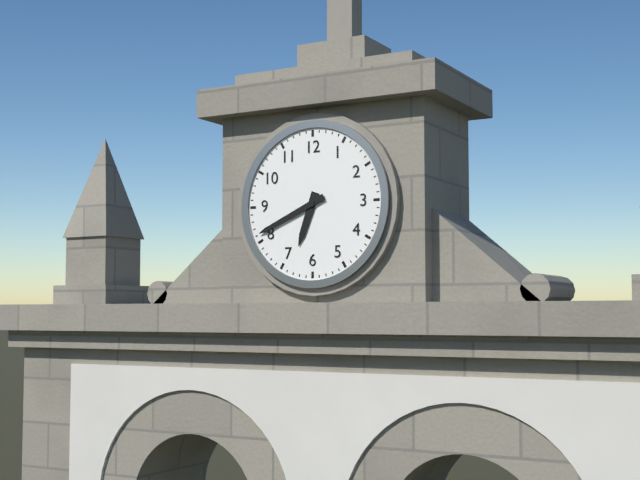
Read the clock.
6:41
